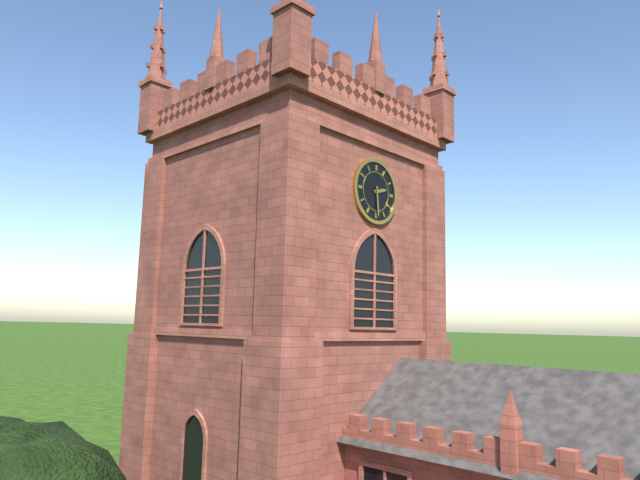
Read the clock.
2:29
